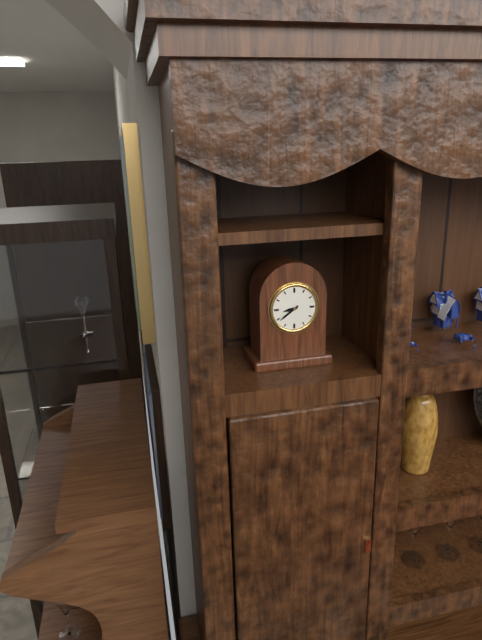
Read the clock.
8:39
